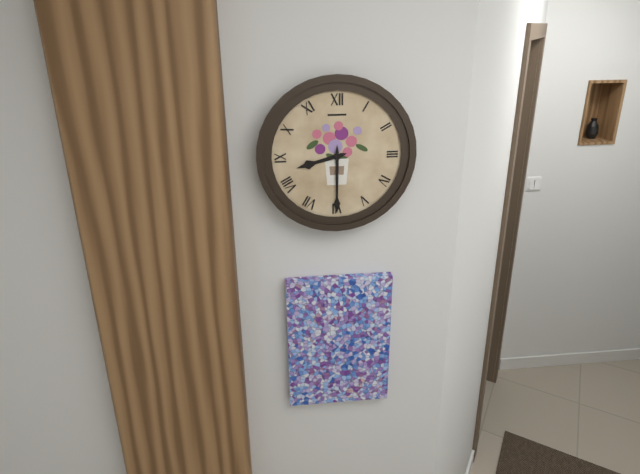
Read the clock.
8:30
